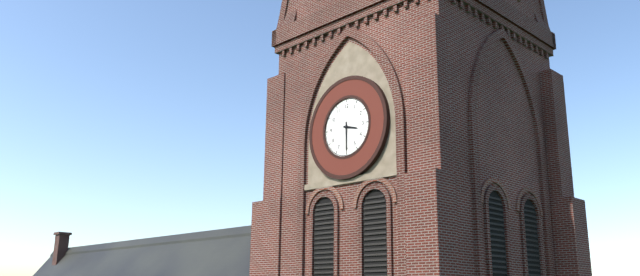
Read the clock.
3:30
